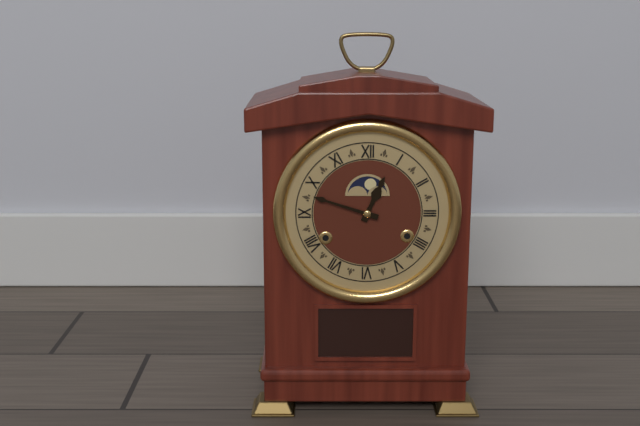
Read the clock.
12:48
